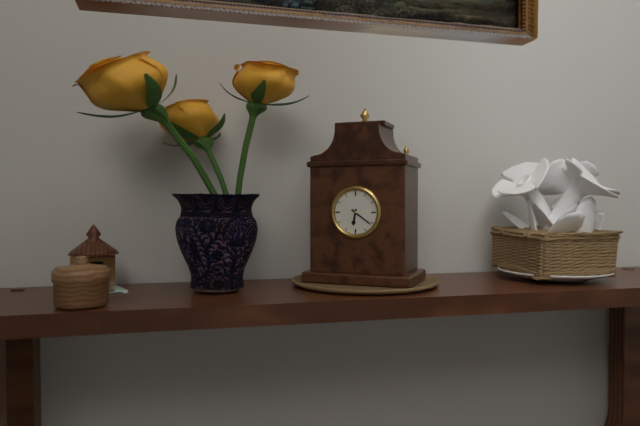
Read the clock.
6:21
